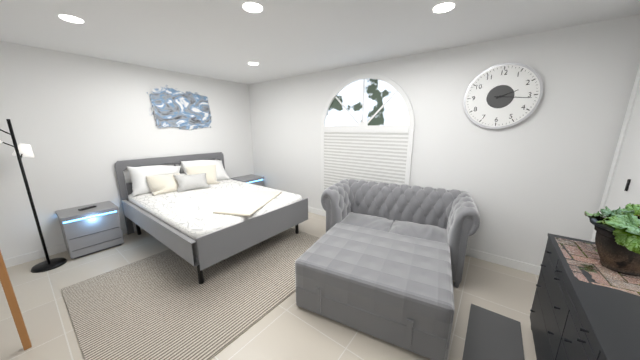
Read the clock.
2:16
